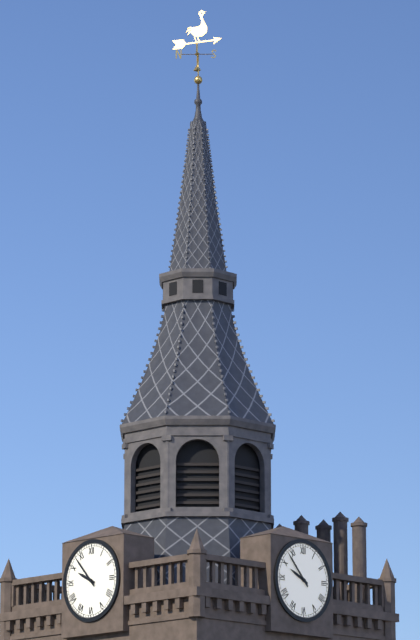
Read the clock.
9:53
